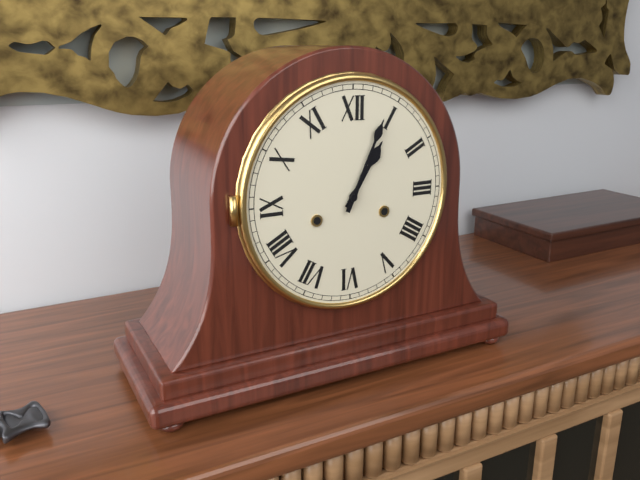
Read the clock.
1:04
